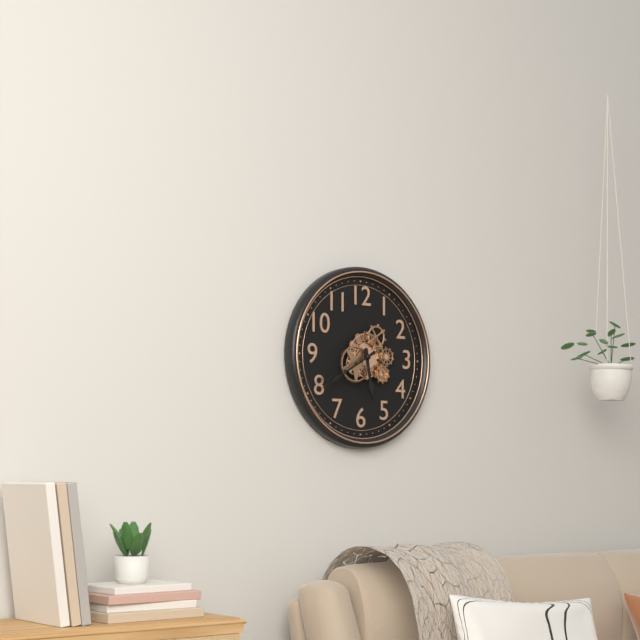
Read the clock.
5:40
